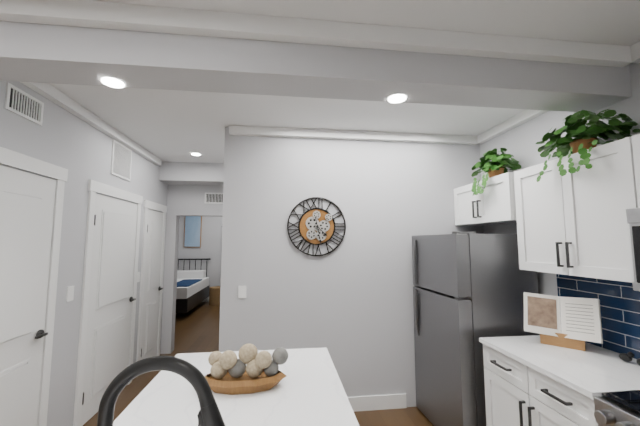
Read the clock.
4:28
